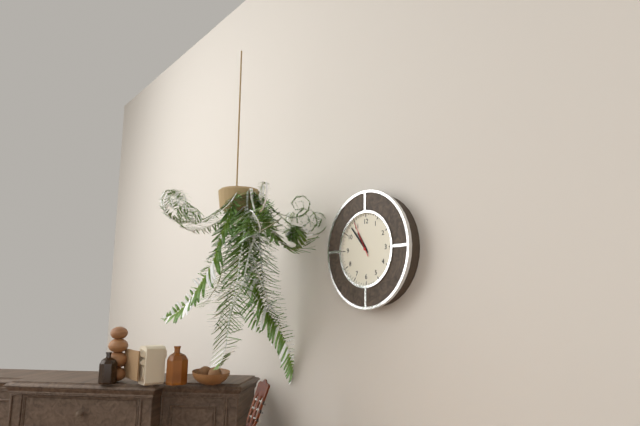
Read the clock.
10:53
